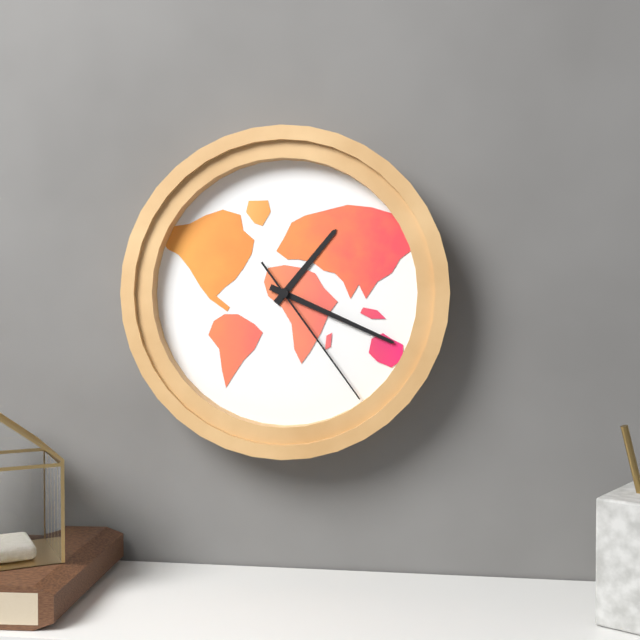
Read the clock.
1:19:24
